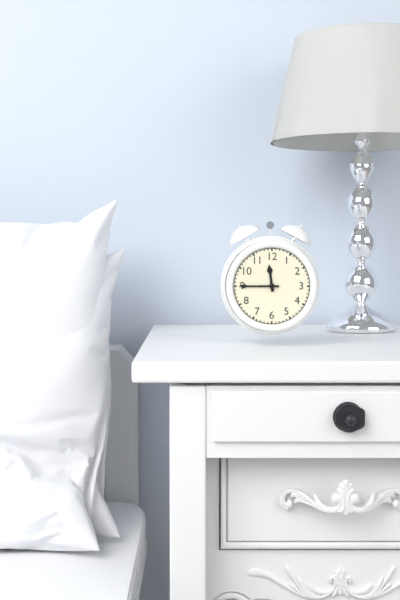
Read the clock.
11:45
